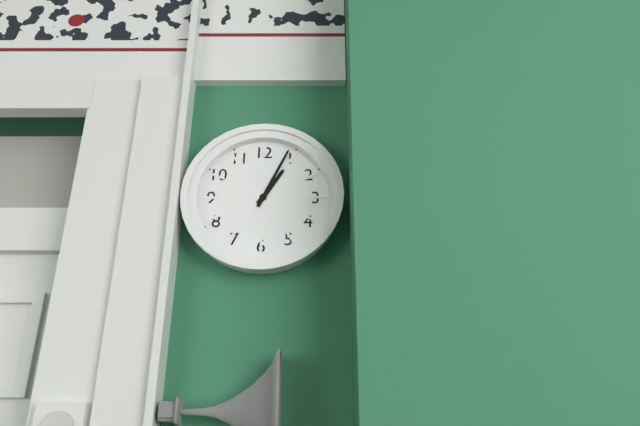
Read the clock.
1:04
